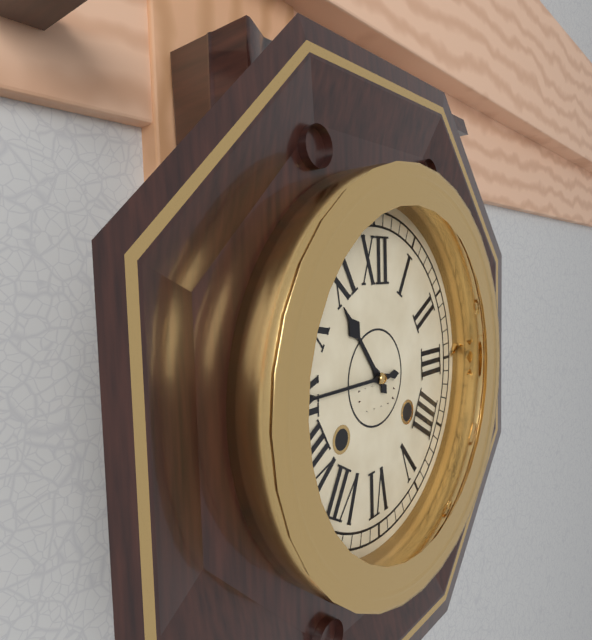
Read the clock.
10:45
